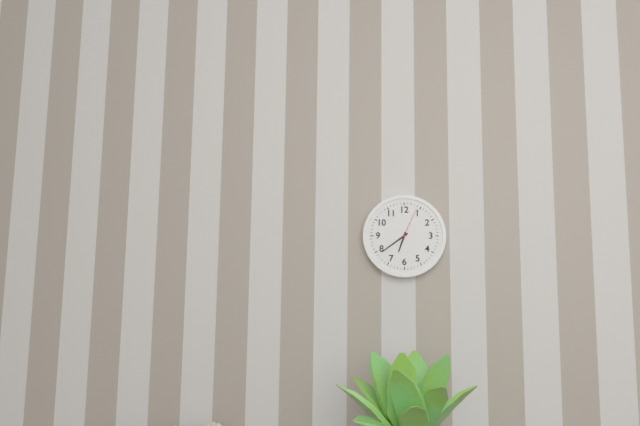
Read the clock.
6:39
